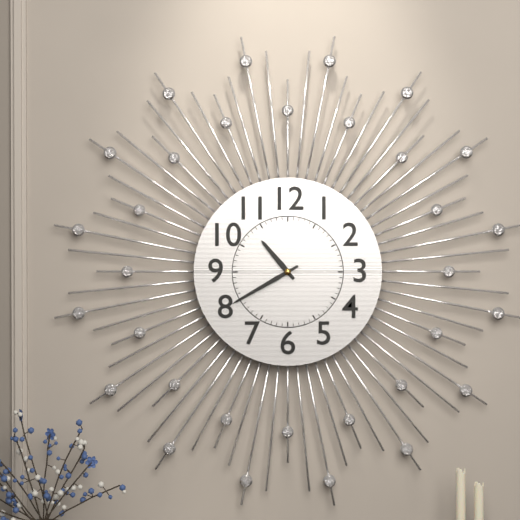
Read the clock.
10:40
